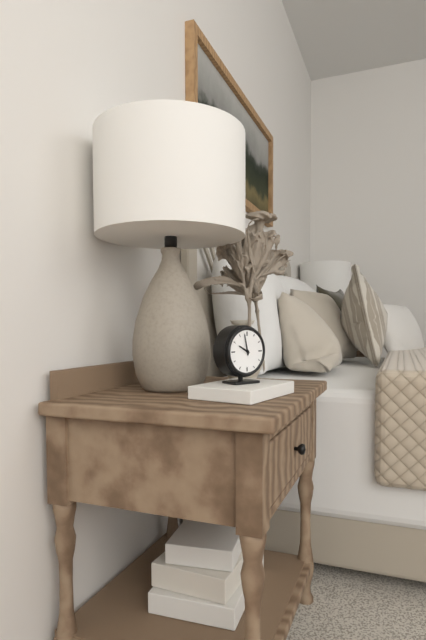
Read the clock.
9:58
